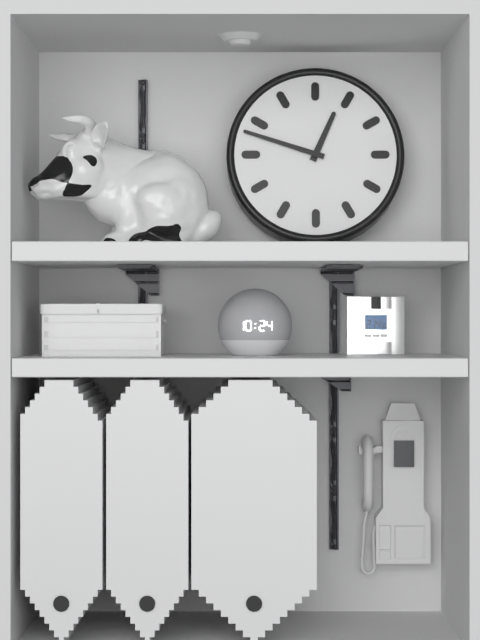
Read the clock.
12:48
